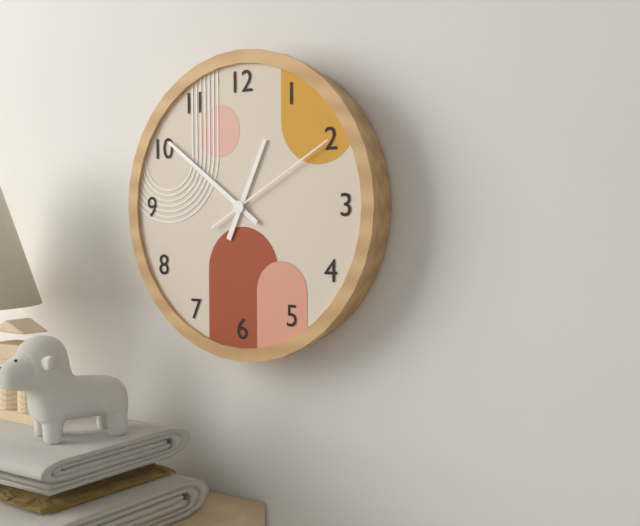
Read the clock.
12:51:10
